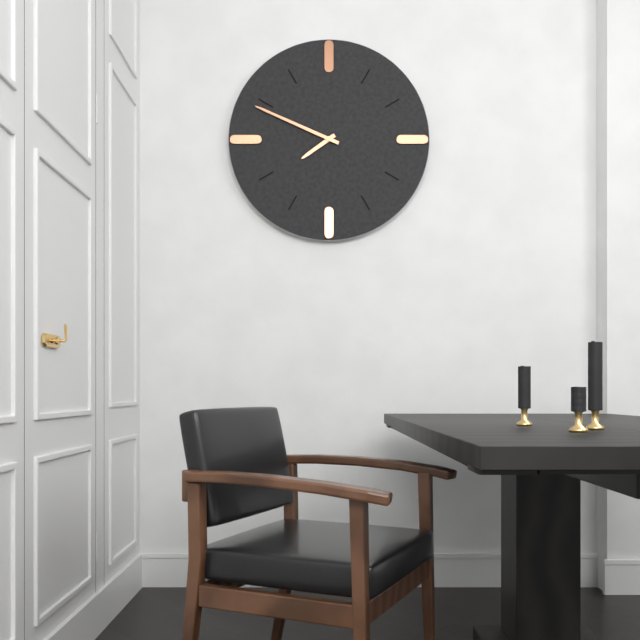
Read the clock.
7:49
